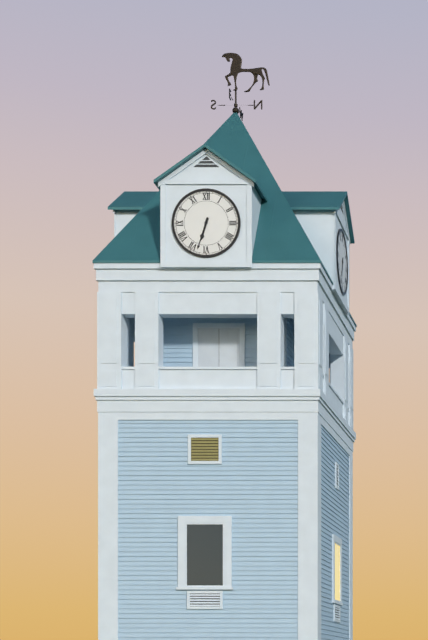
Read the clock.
6:33
